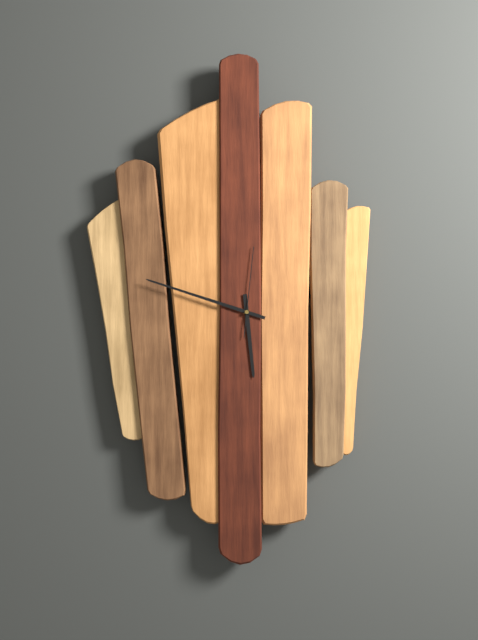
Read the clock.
5:48:01
